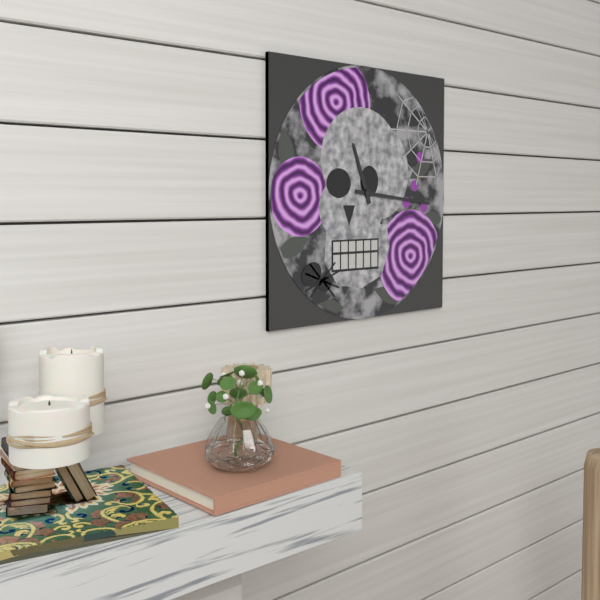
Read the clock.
11:16
